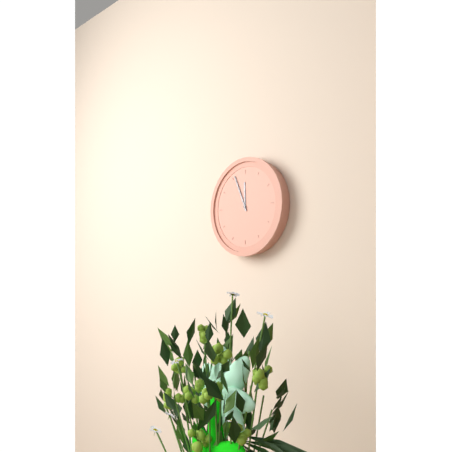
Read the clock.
11:56
